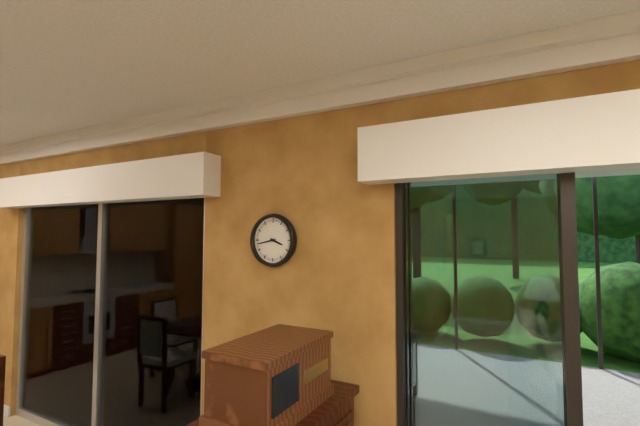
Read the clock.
3:43
